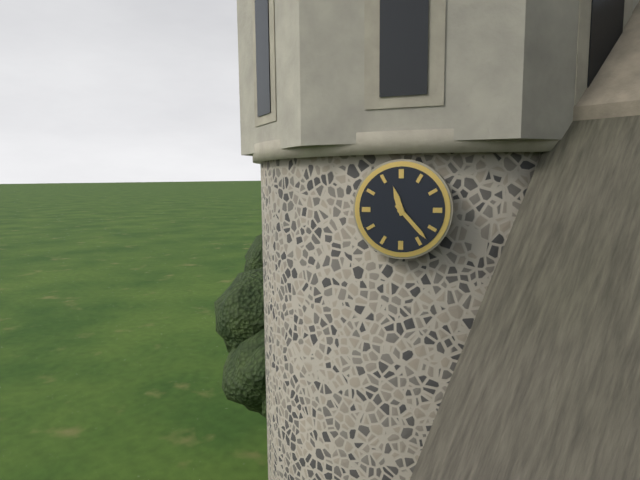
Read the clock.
11:23
